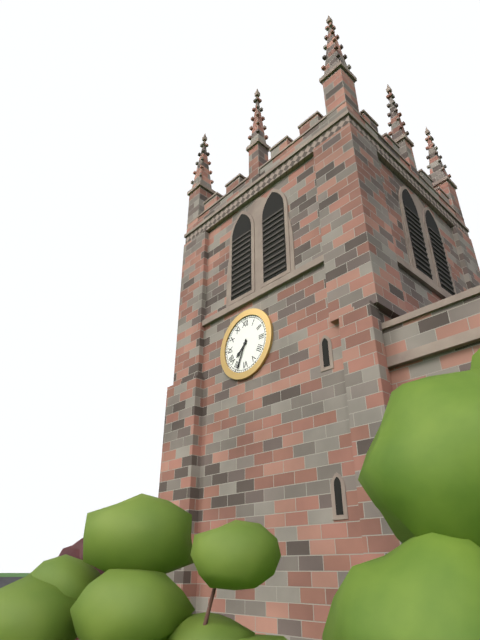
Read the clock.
7:34
